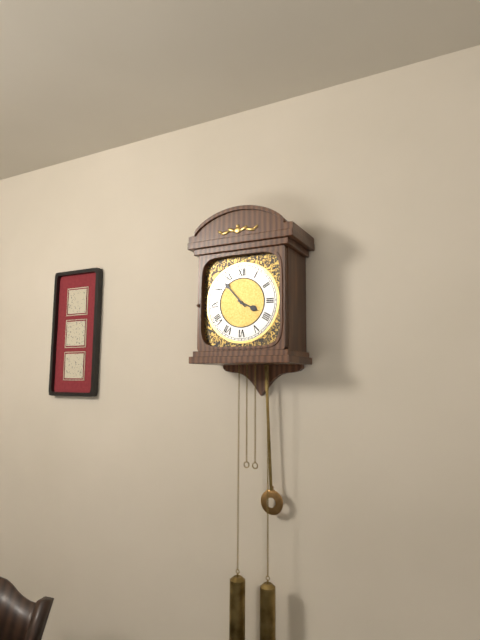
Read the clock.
3:53
